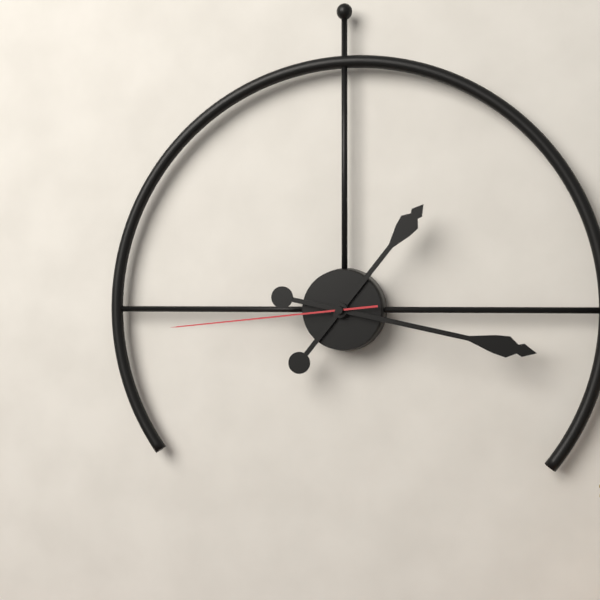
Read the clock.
1:17:44
